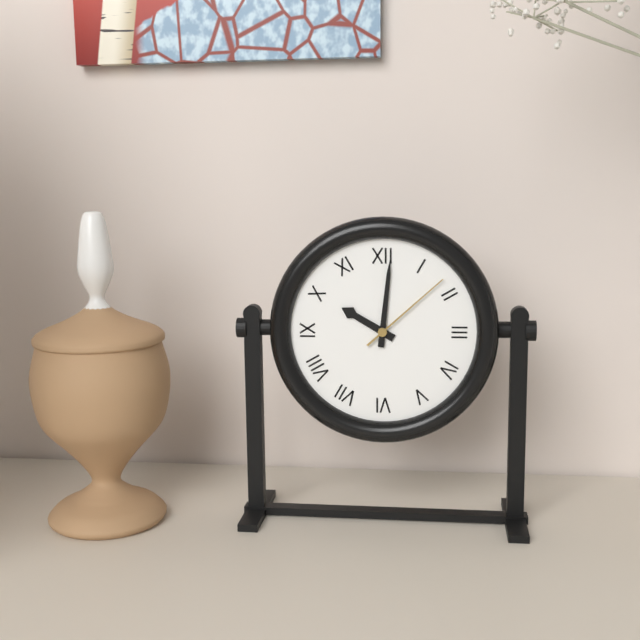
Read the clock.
10:01:08
